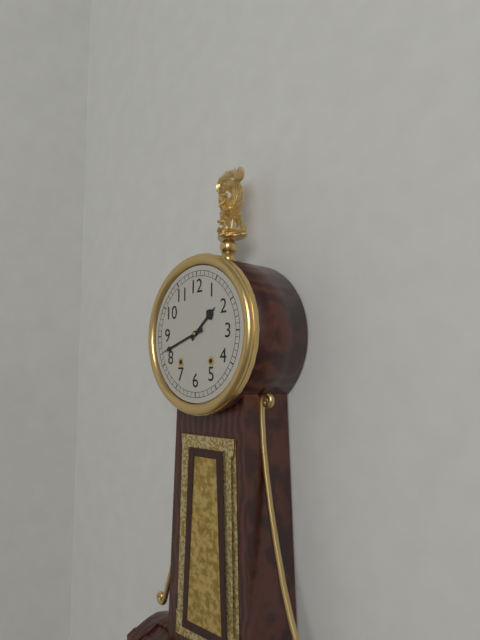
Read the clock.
1:42
